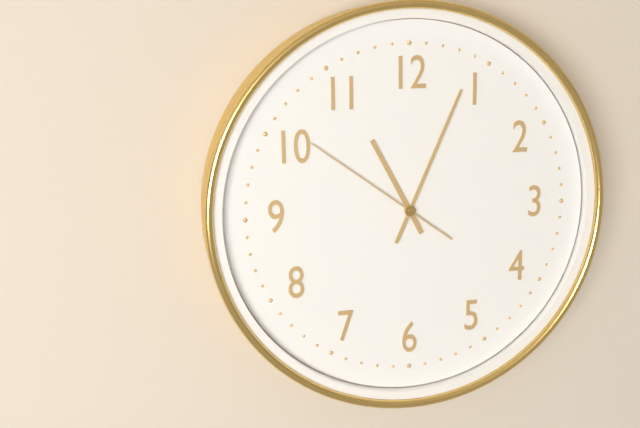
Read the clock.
11:04:51
